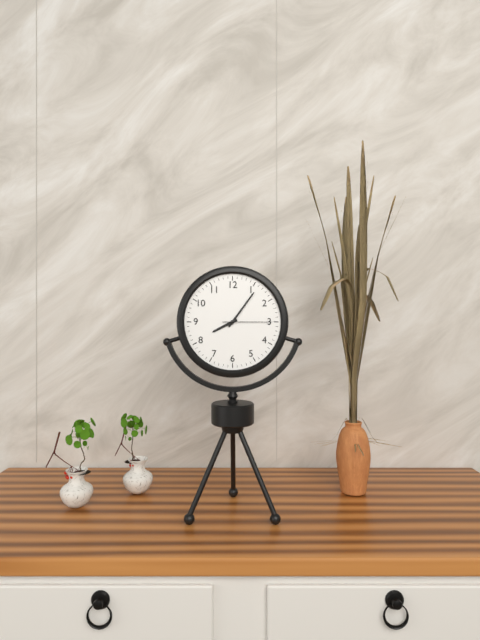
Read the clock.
8:06:15
